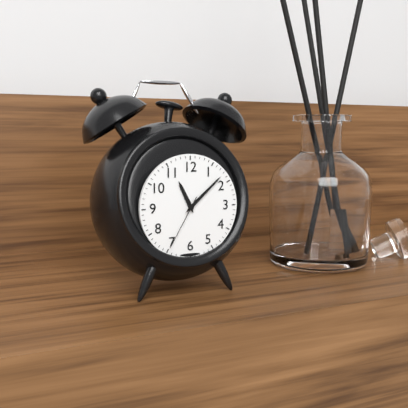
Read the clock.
11:08:35
